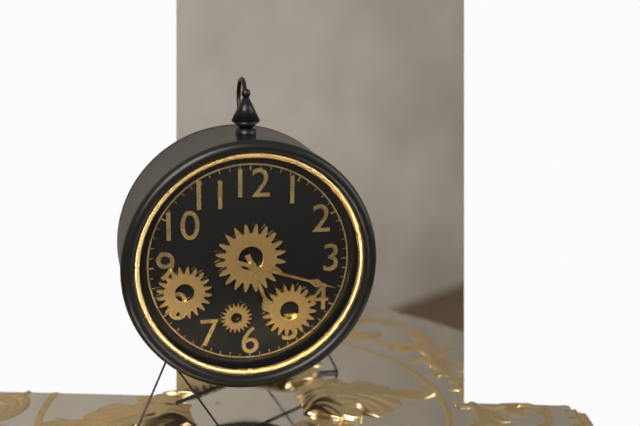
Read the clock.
5:18
